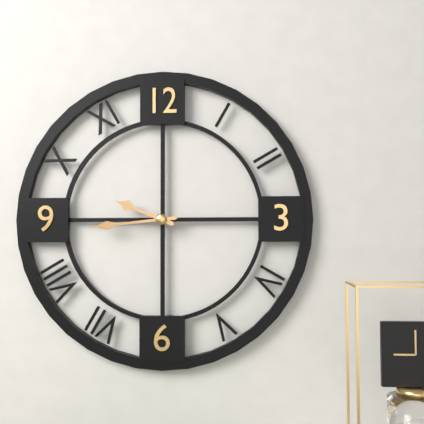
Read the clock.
9:44
